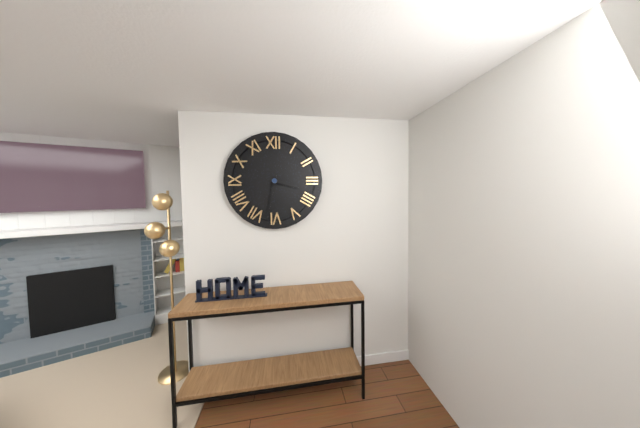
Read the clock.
3:32
